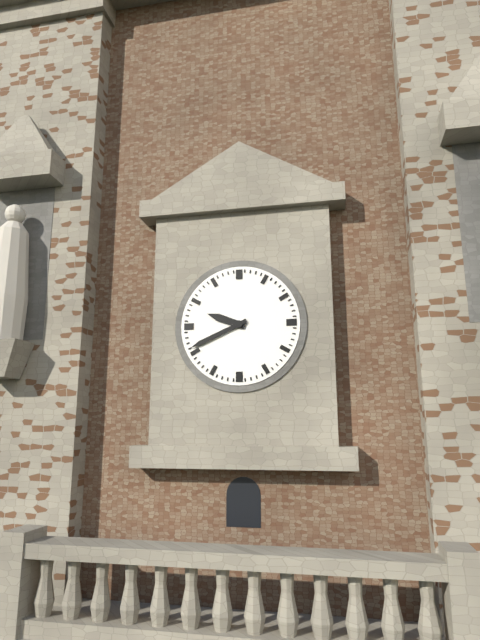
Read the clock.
9:41
